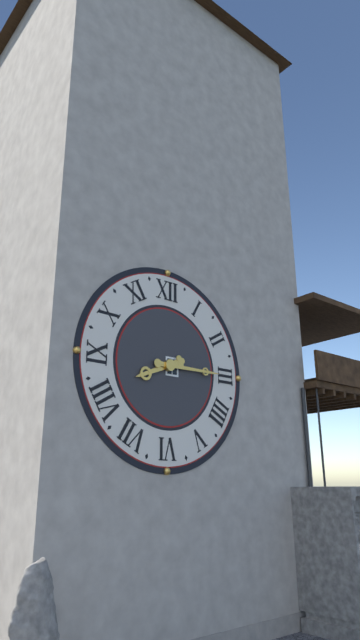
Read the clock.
8:15
